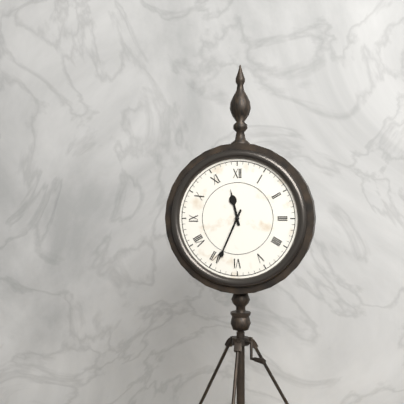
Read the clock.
11:34
